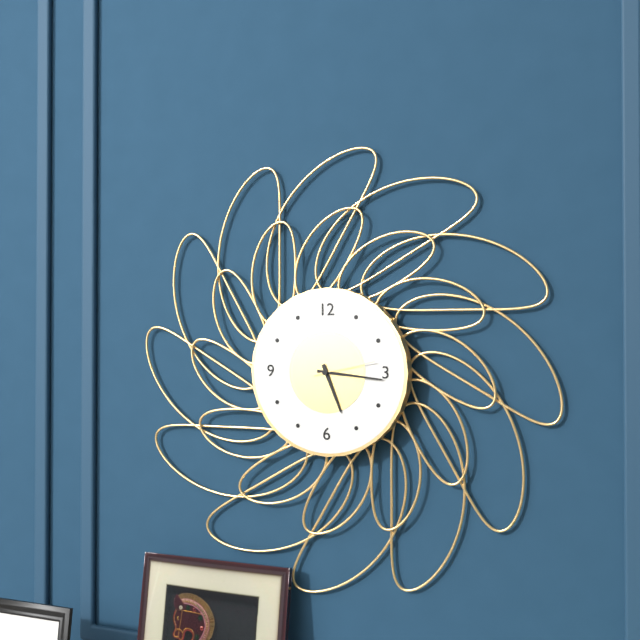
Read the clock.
5:16:13
